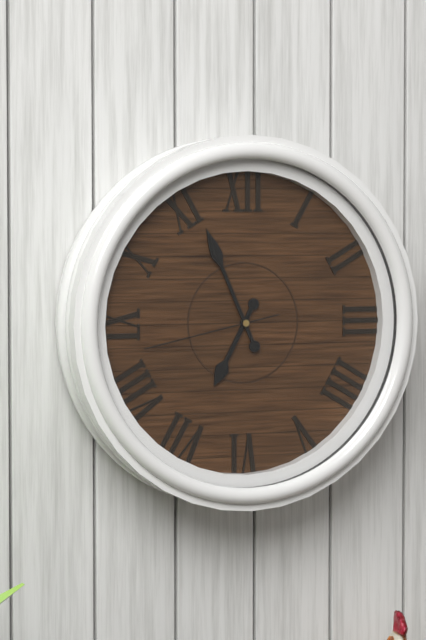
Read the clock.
6:56:43
